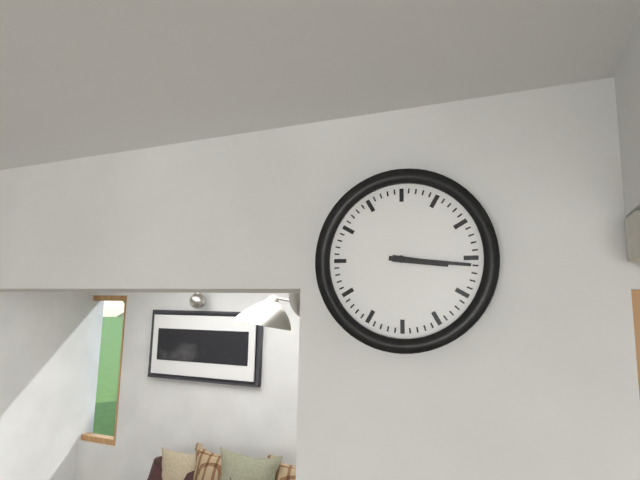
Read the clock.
3:16
